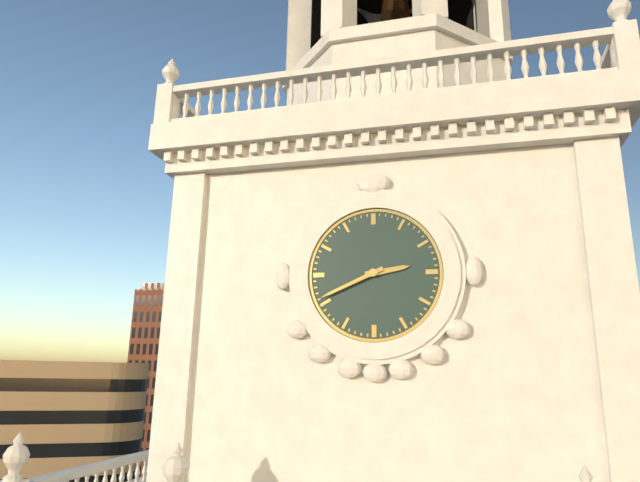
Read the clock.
2:41
